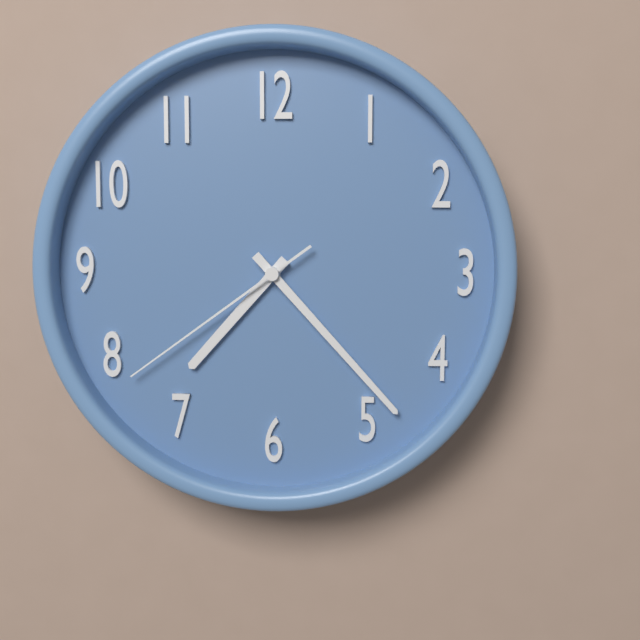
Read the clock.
7:23:39
